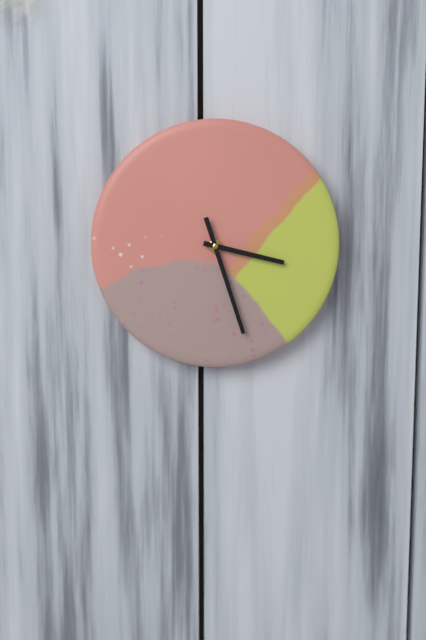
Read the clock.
3:27
